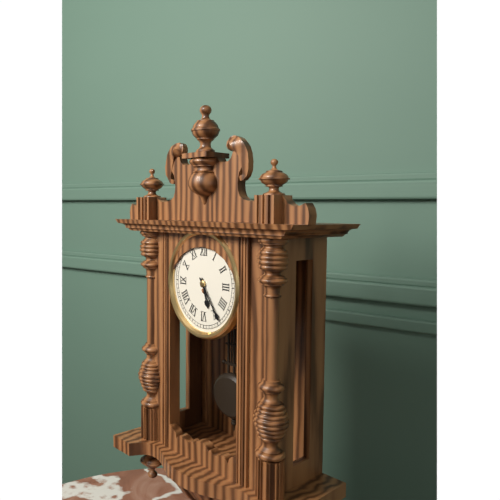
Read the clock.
5:24
